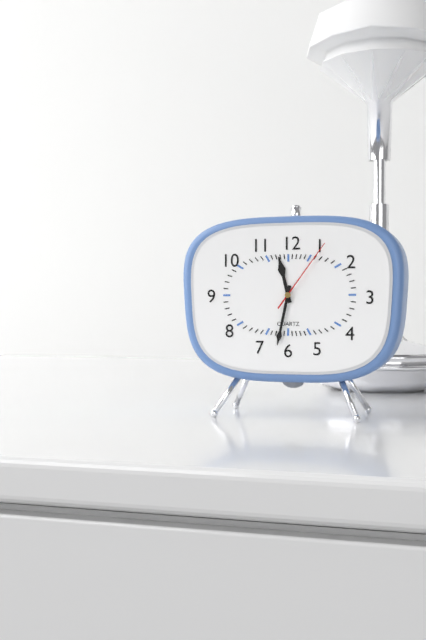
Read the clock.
11:32:06
